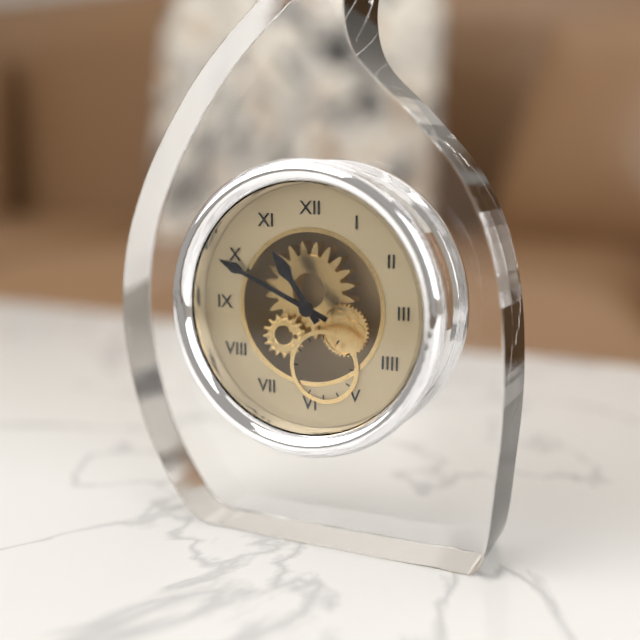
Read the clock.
10:49
